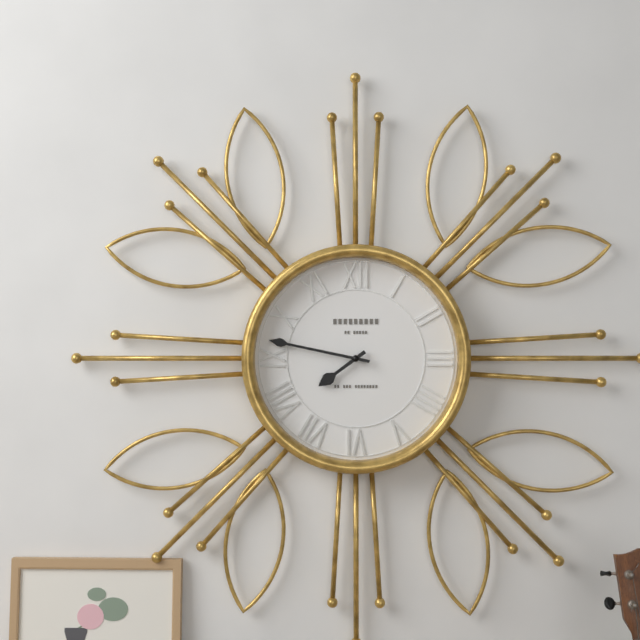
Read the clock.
7:47
